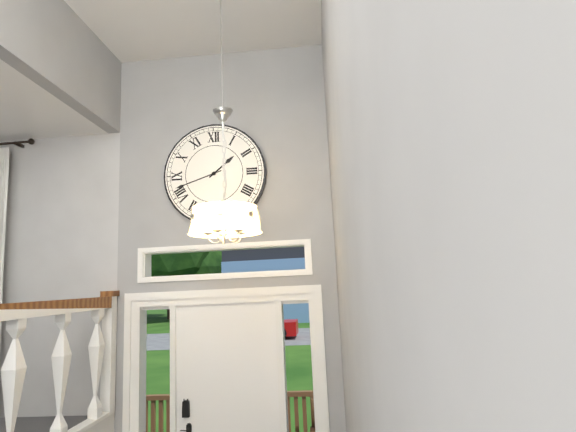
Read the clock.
1:42
